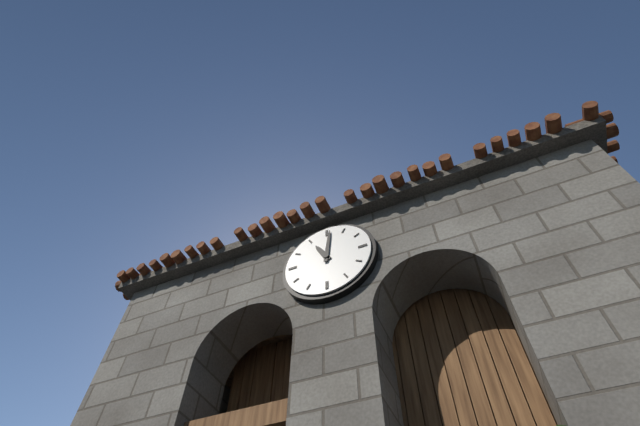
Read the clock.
11:01
